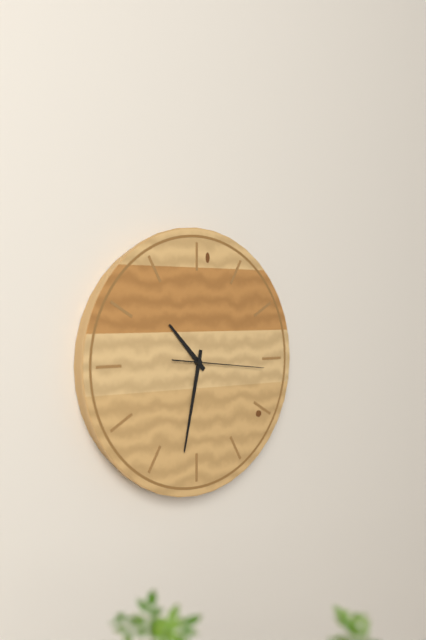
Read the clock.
10:32:16
